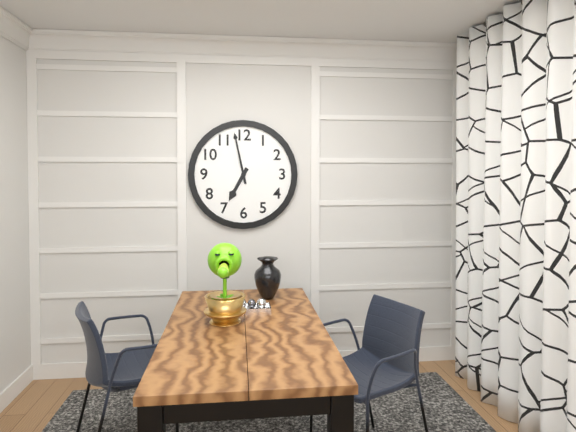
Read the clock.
6:58
